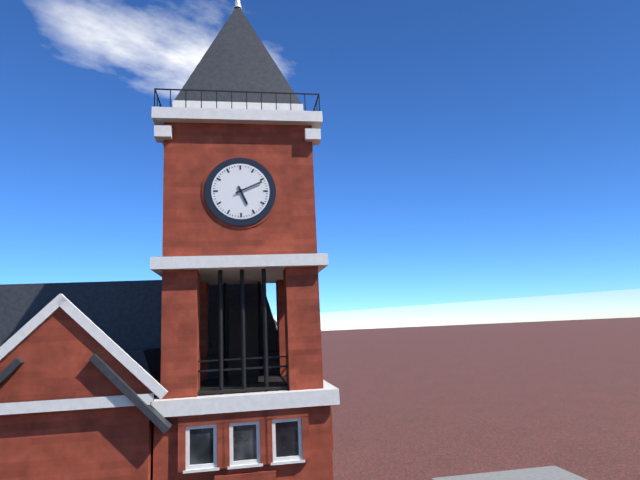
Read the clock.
5:11
